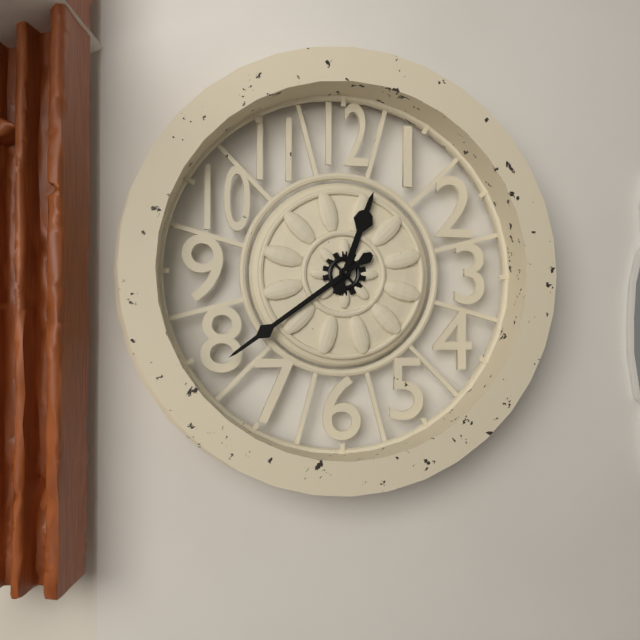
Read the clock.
12:39
